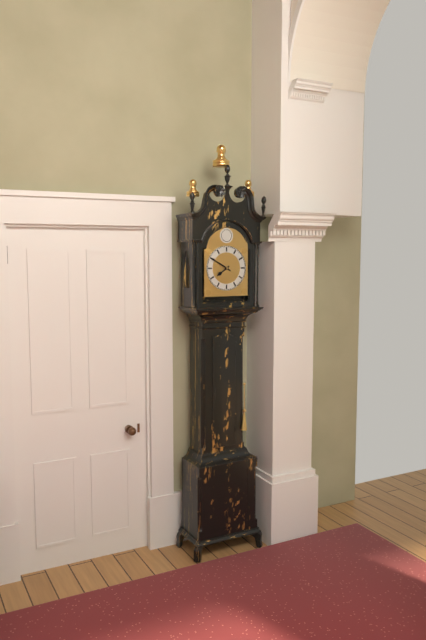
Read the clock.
7:50
